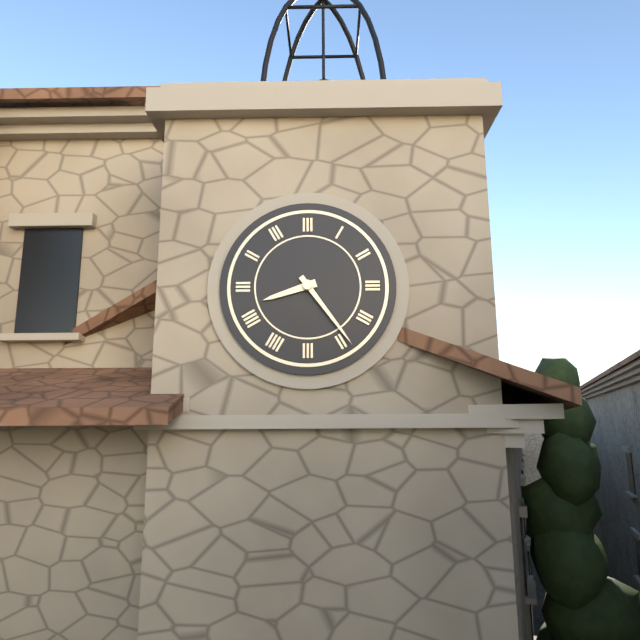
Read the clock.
8:24
